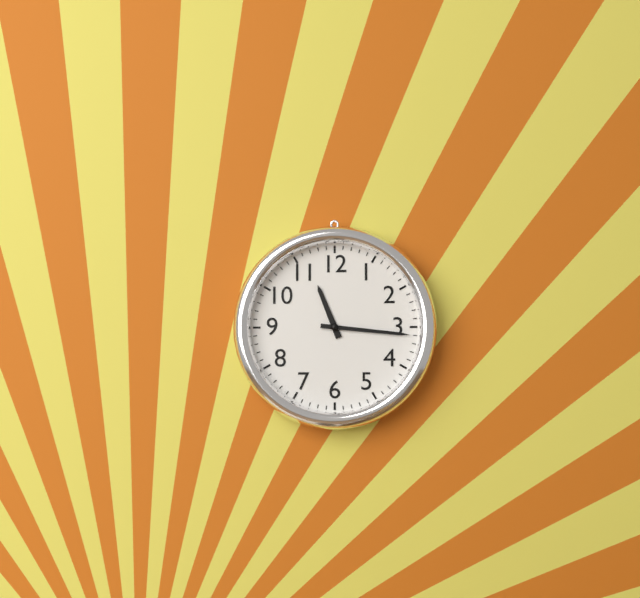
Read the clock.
11:16
